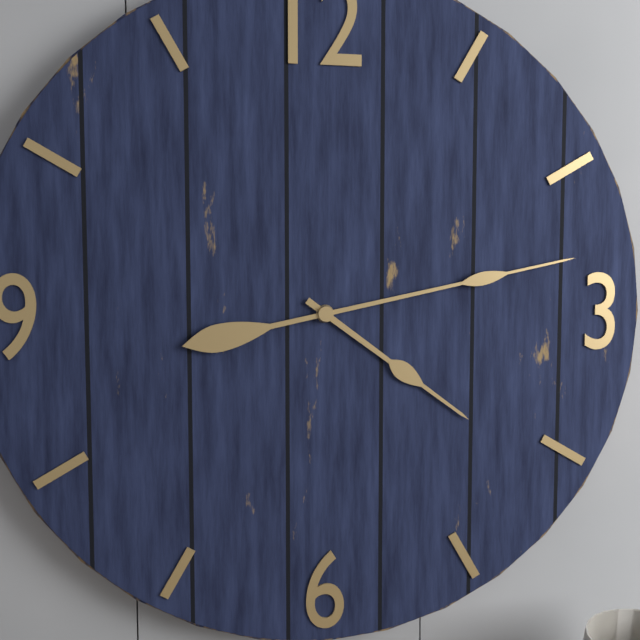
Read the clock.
4:13
